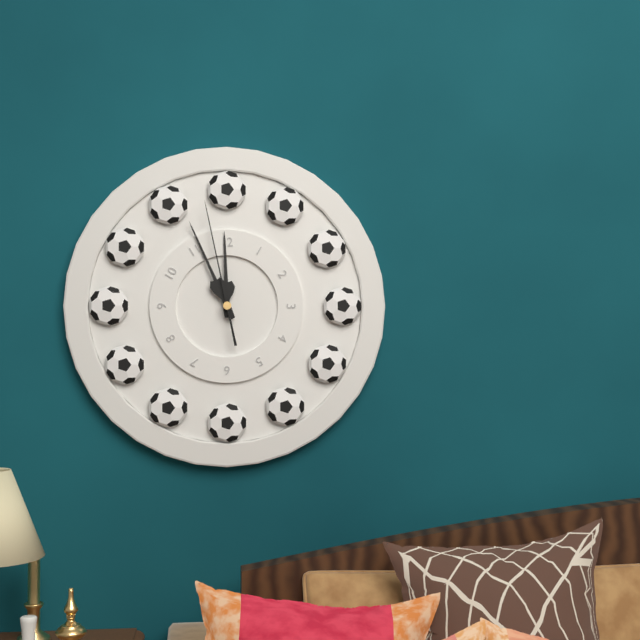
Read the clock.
11:56:58
